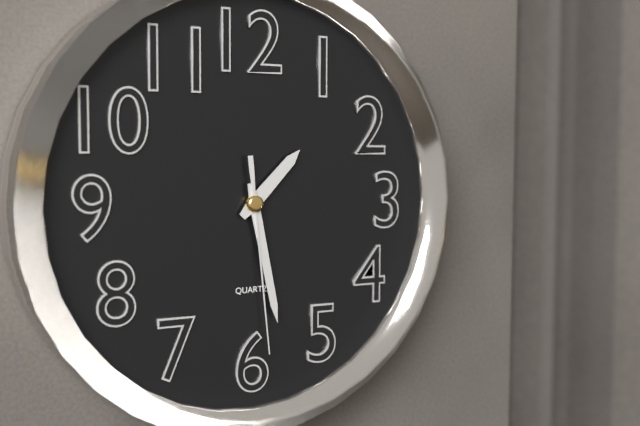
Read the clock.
1:28:29
